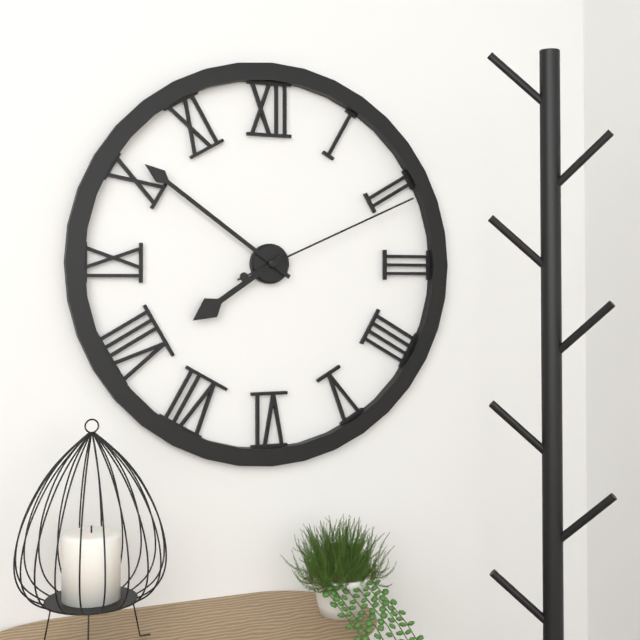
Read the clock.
7:51:11
